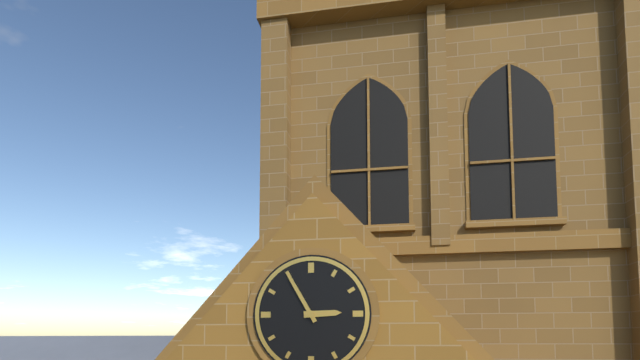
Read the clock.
2:55
